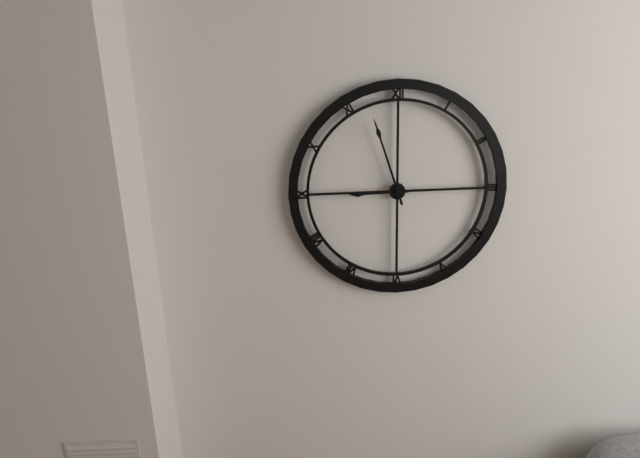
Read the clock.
8:57
